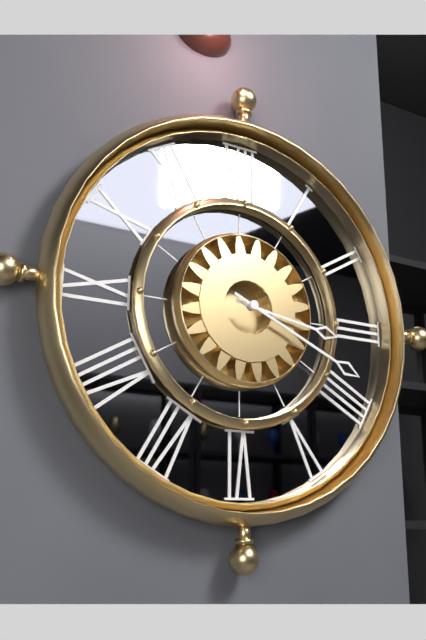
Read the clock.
3:19
